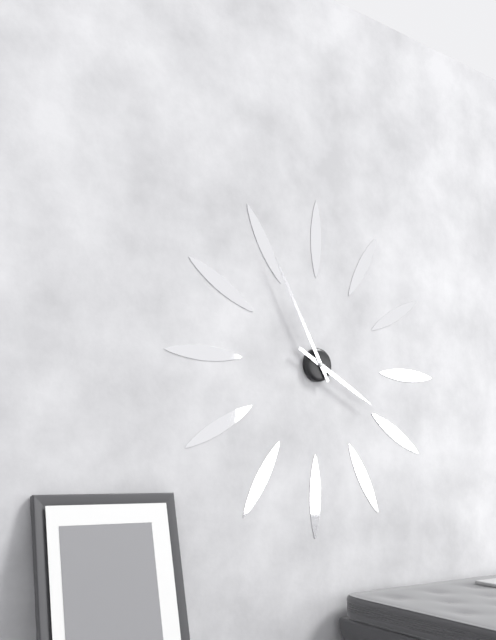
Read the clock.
3:55
